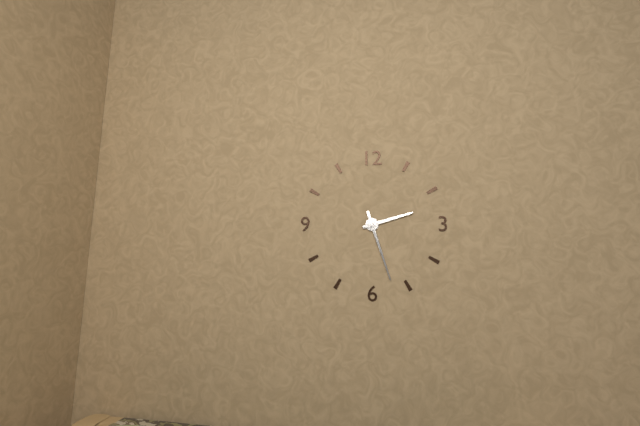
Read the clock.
2:27
